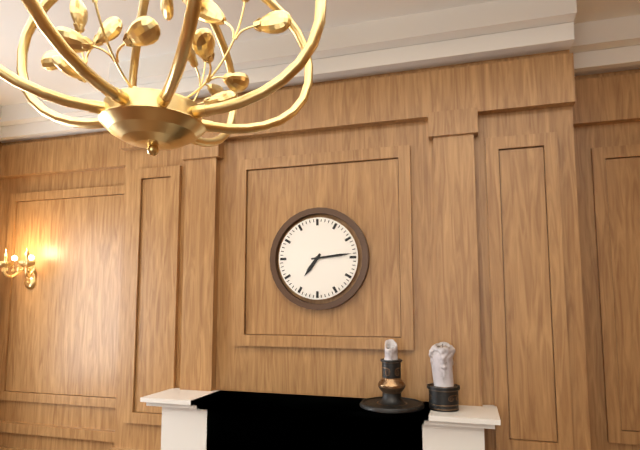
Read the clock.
7:14
